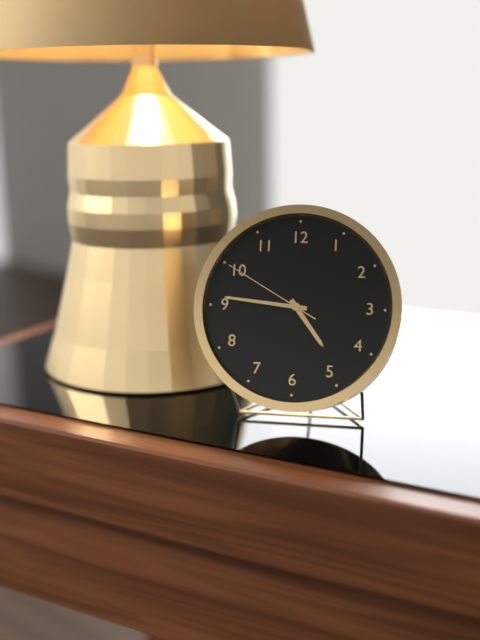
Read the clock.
4:46:50
